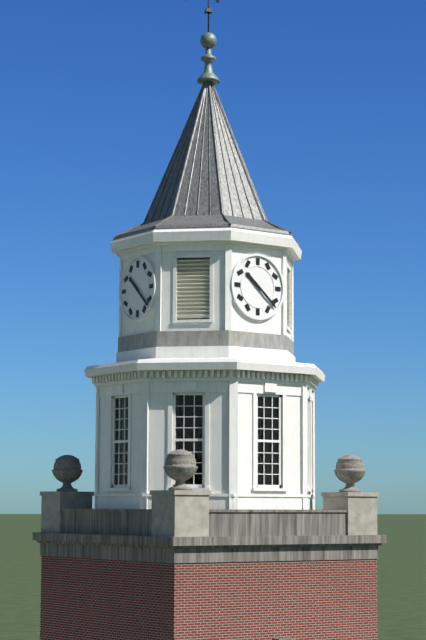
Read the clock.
10:22
